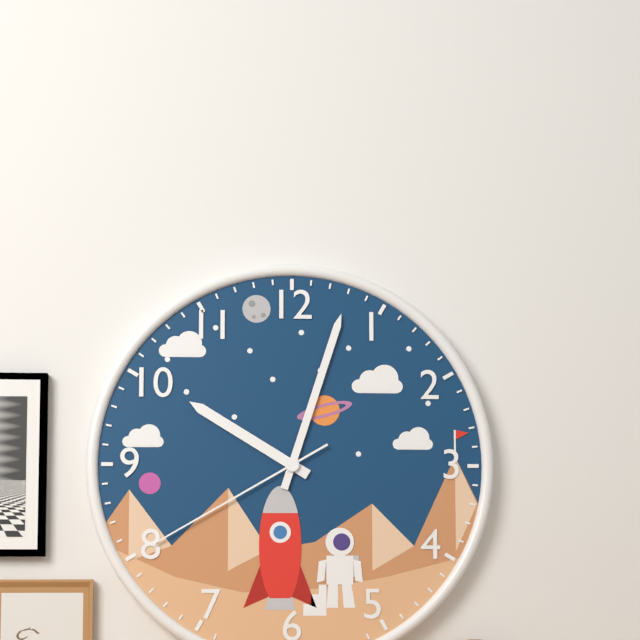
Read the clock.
10:03:40
